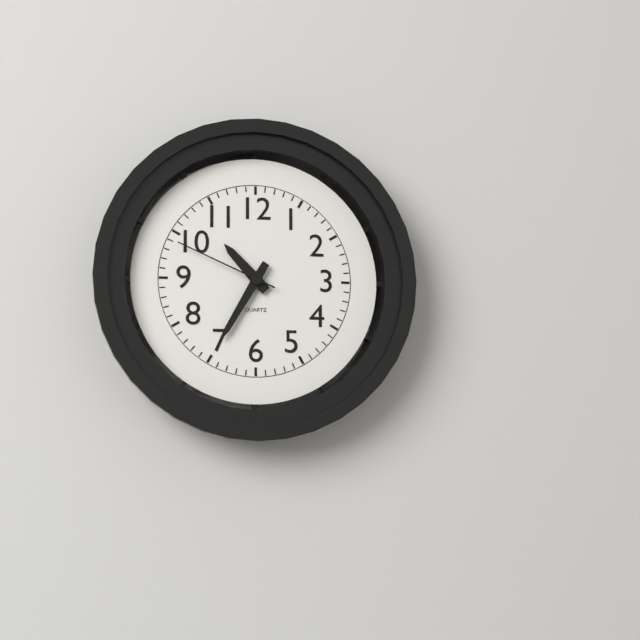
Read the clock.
10:35:49
